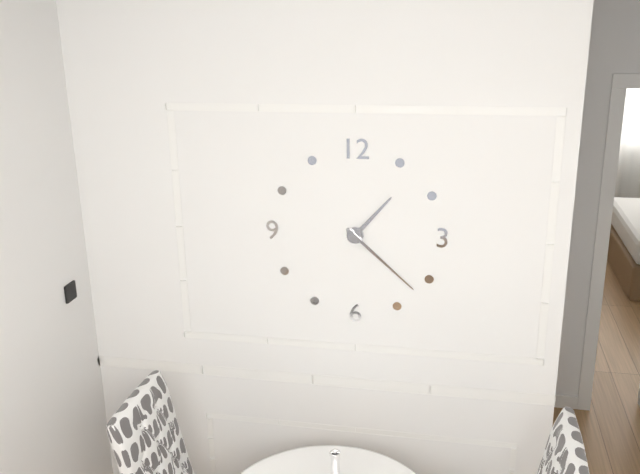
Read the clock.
1:22
